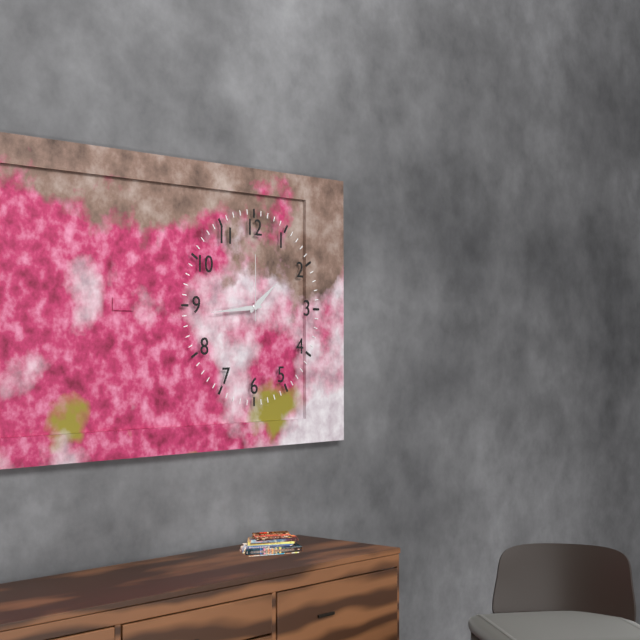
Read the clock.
1:44:00
